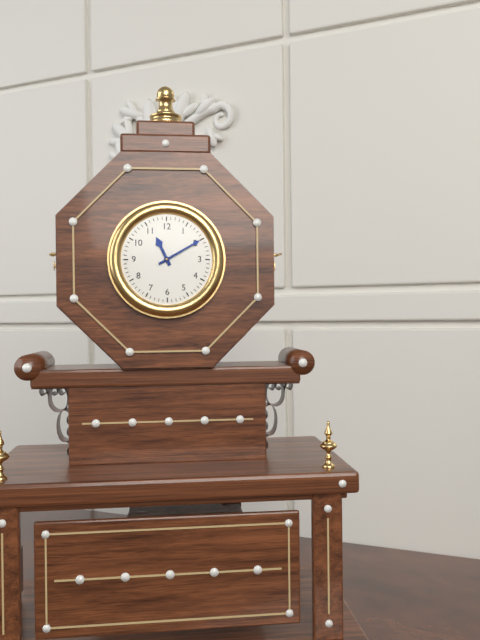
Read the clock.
11:10
